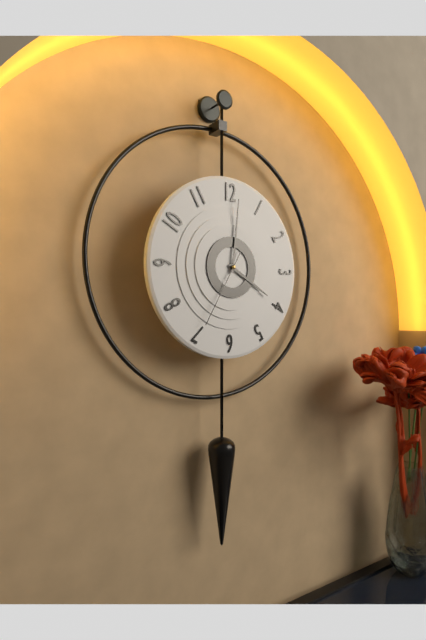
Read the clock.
4:01:35
